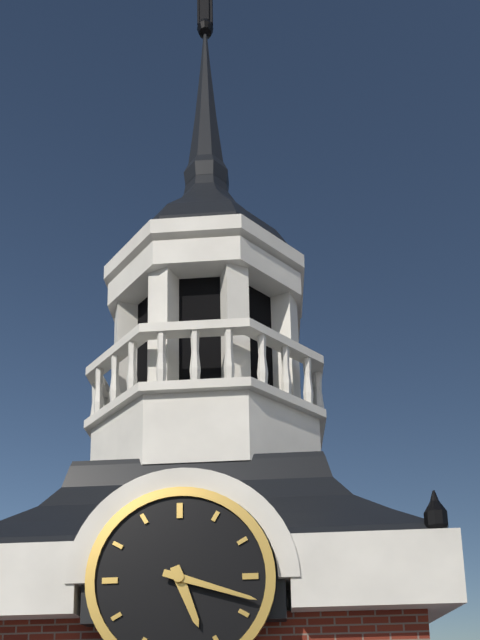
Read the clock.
5:18
